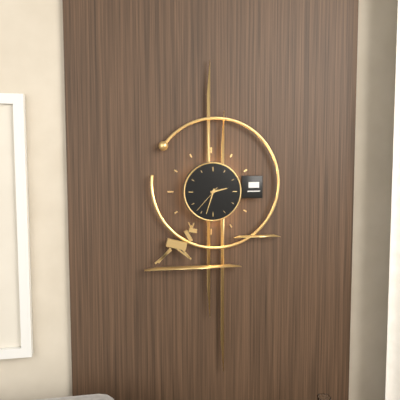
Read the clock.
2:33
